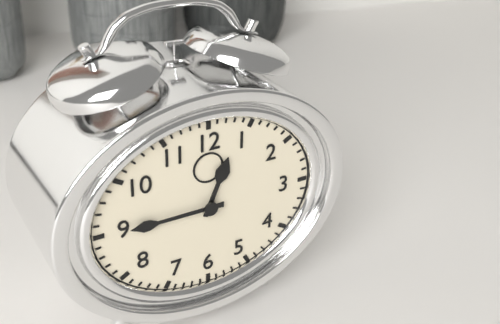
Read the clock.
12:45
